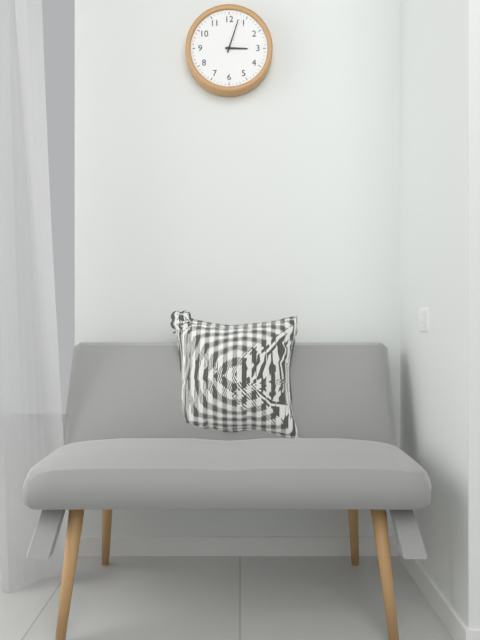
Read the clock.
3:03
